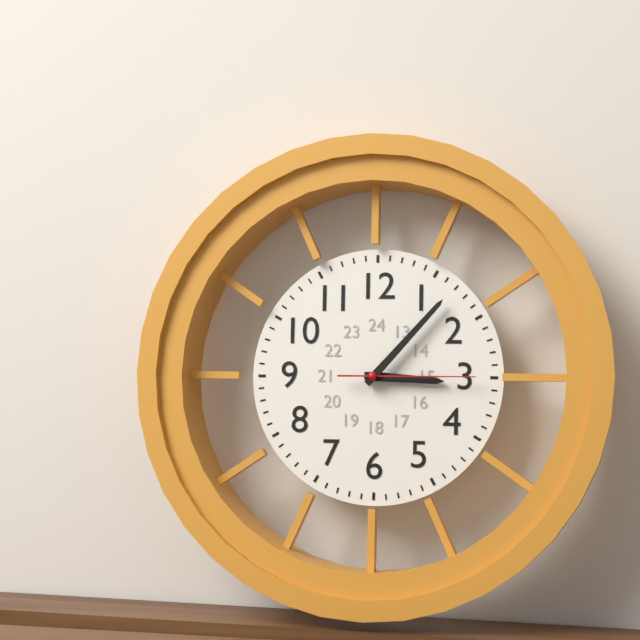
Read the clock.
3:07:15
